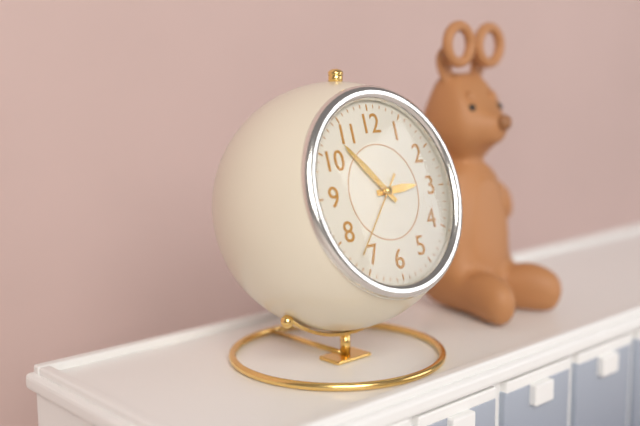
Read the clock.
2:53:37
